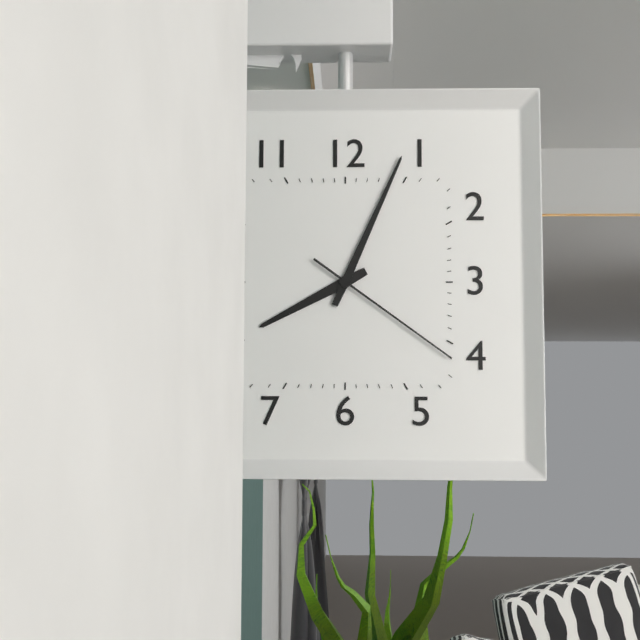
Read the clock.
8:04:21
